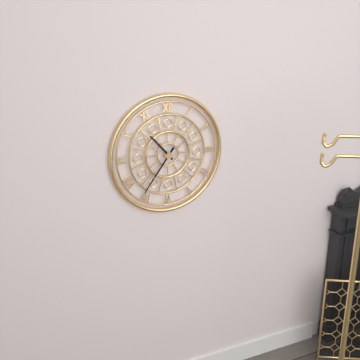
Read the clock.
10:36
